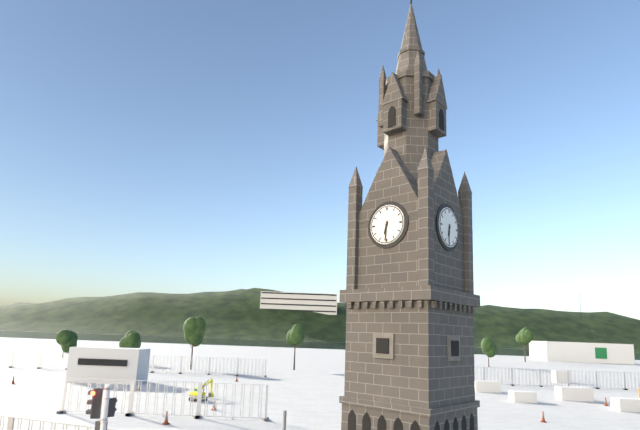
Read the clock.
6:31
